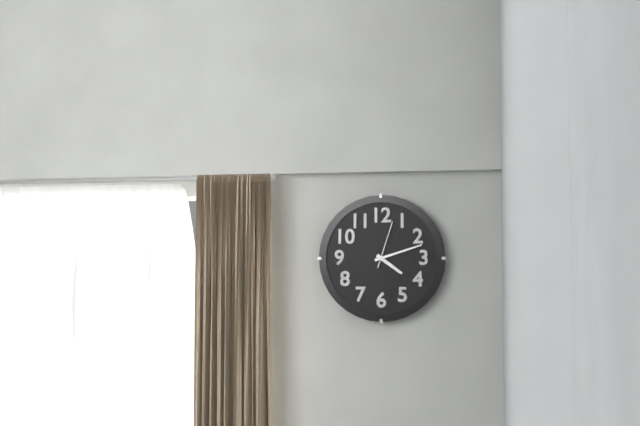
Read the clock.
4:12
